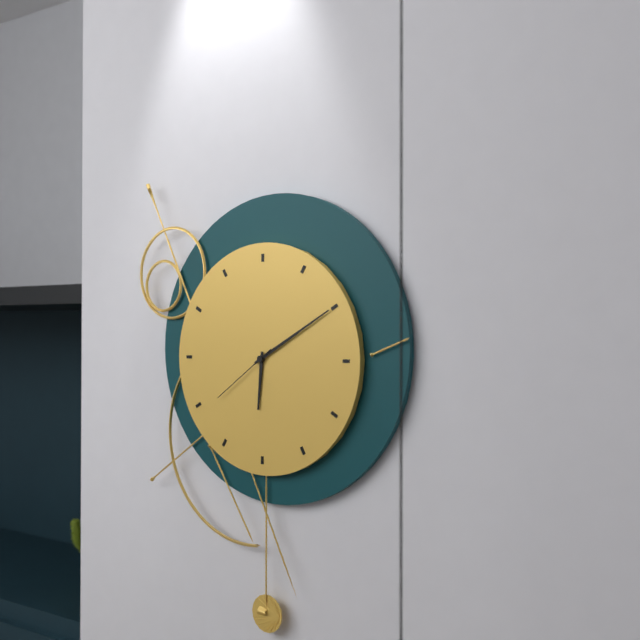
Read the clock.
6:10:39
